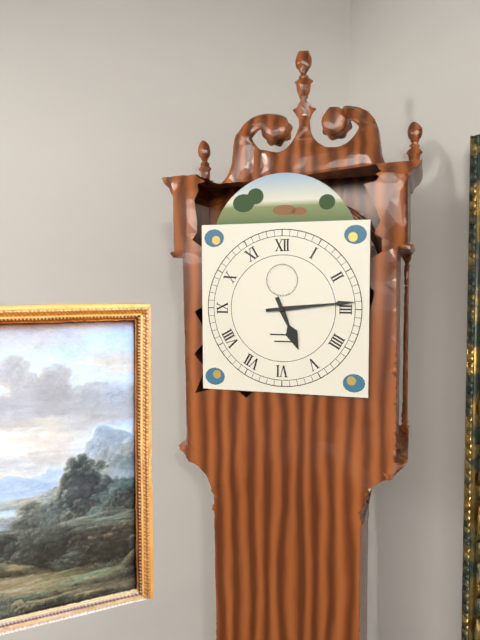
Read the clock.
5:14
